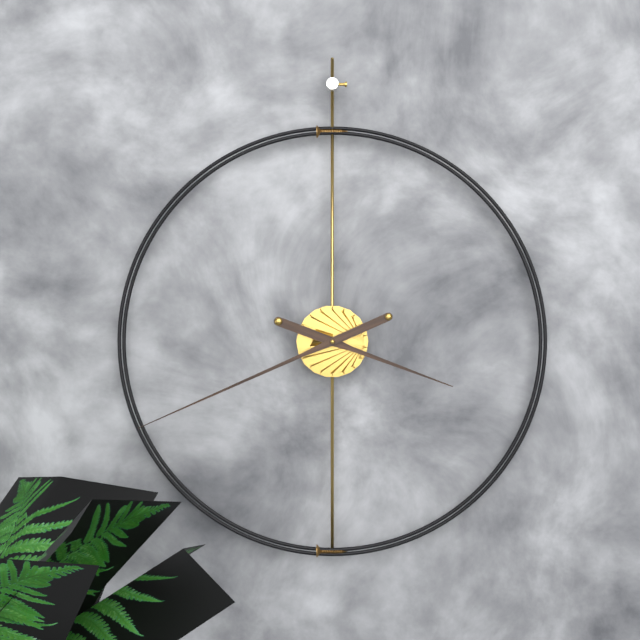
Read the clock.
3:41
